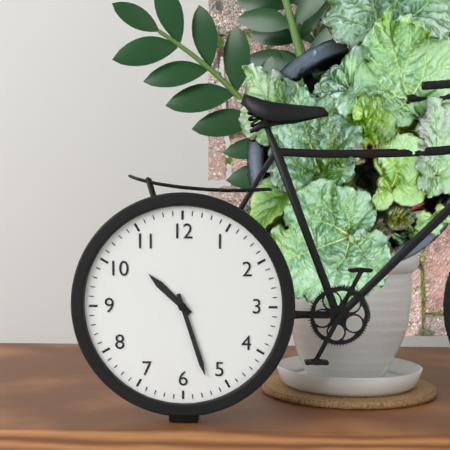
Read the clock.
10:27
